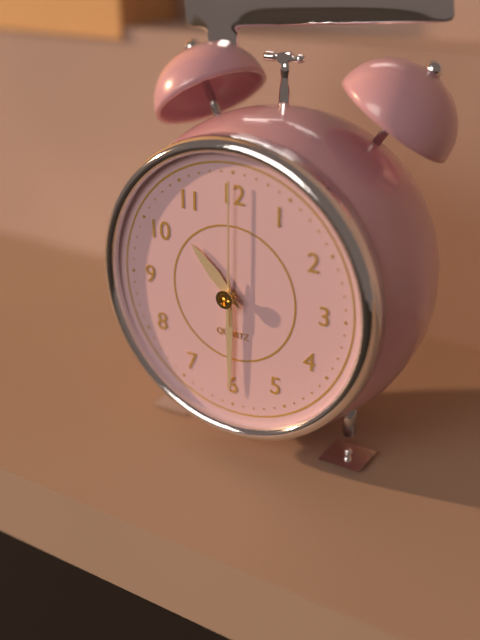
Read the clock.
10:30:00
